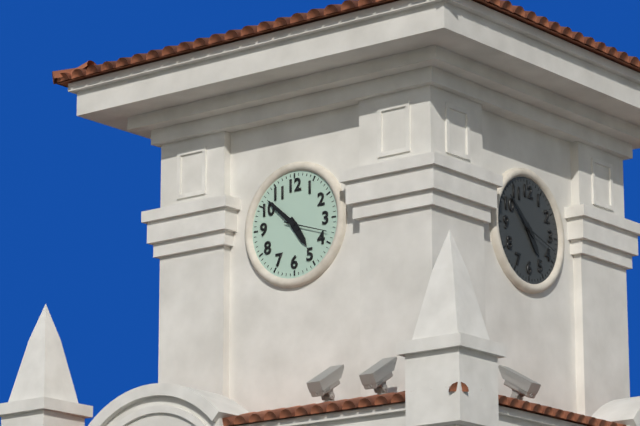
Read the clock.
4:52
